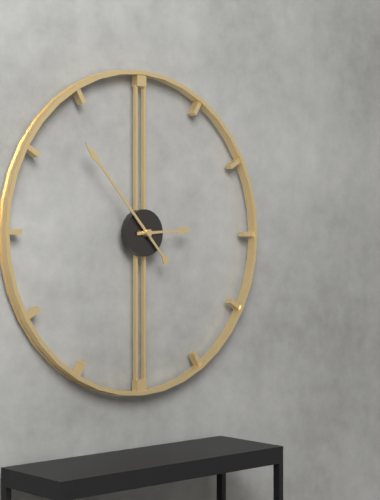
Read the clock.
2:53
